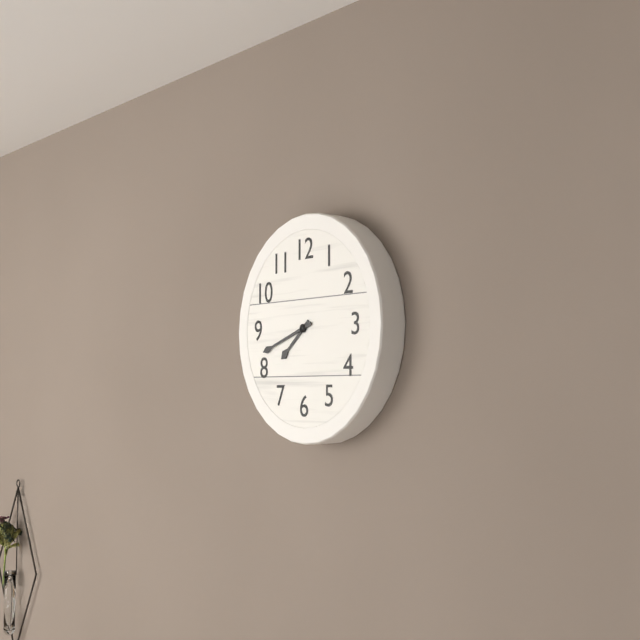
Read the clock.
7:42
